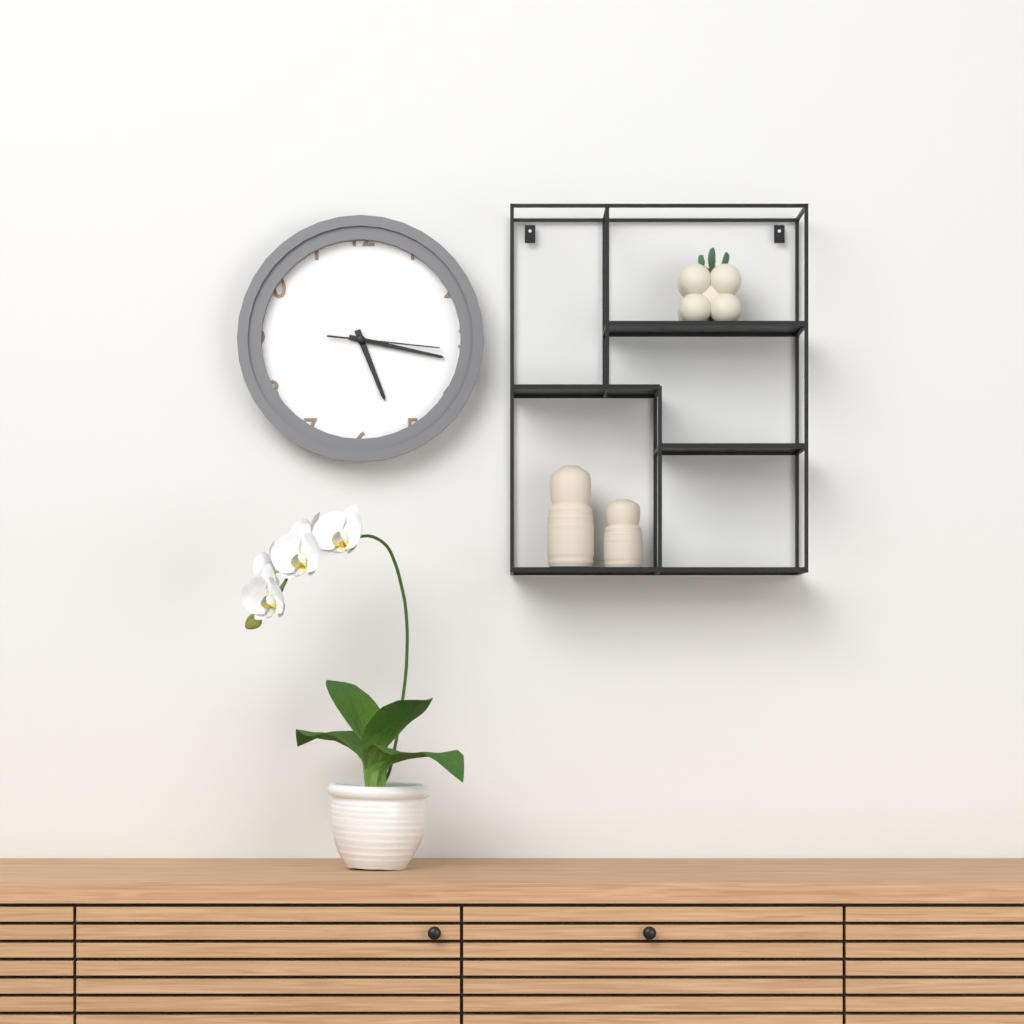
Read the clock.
5:17:16
